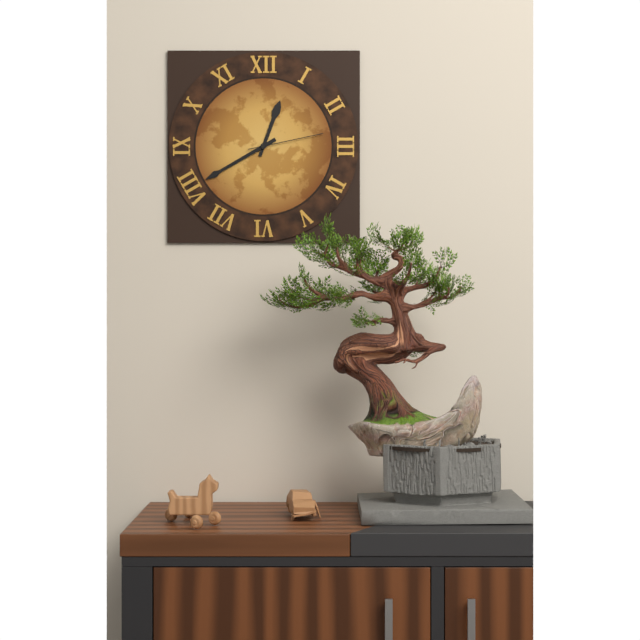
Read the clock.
12:40:13
